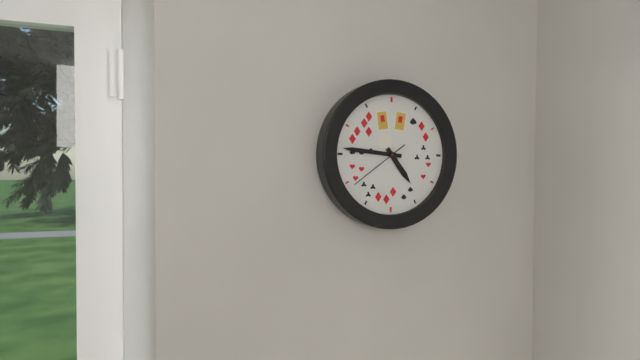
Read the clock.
4:46:39
